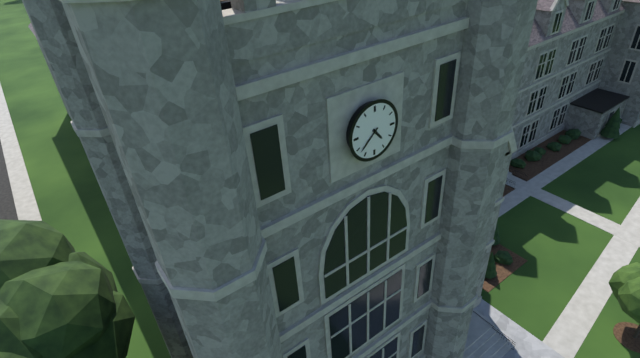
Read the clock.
4:38
